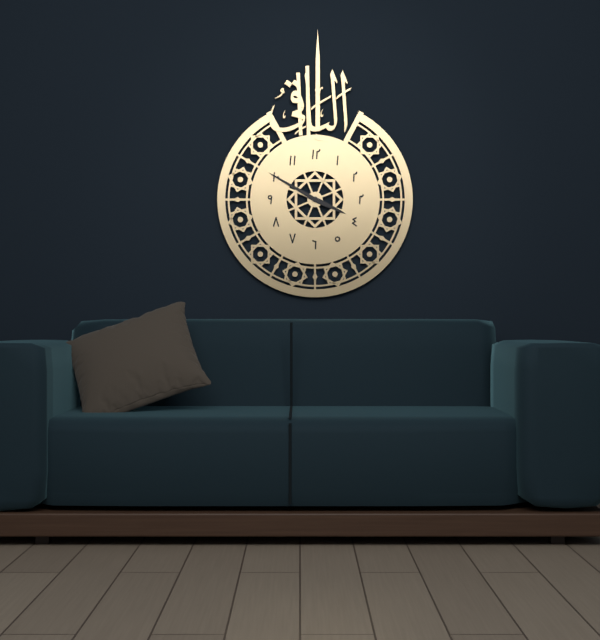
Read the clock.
3:50
